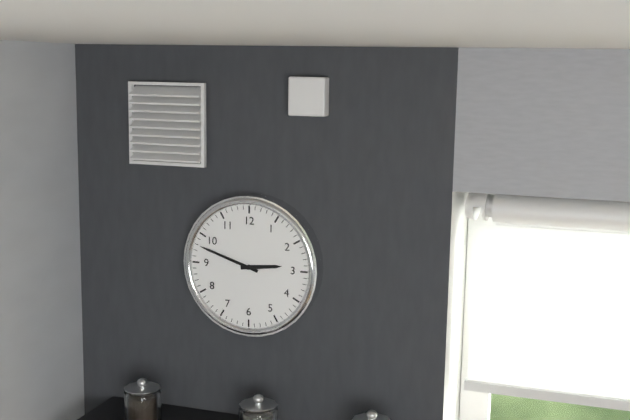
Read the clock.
2:48
